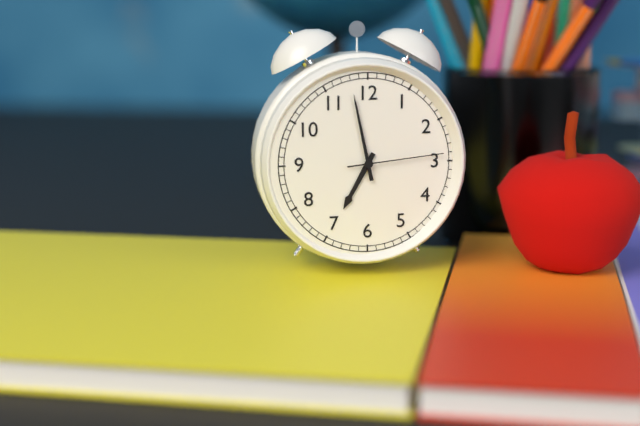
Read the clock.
6:58:14
